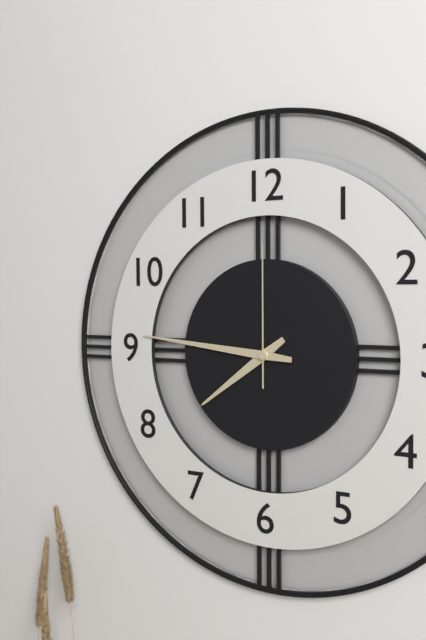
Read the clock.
7:46:00
